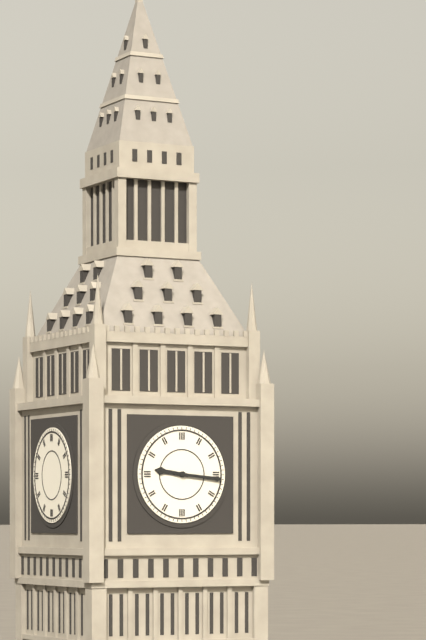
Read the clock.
9:16
